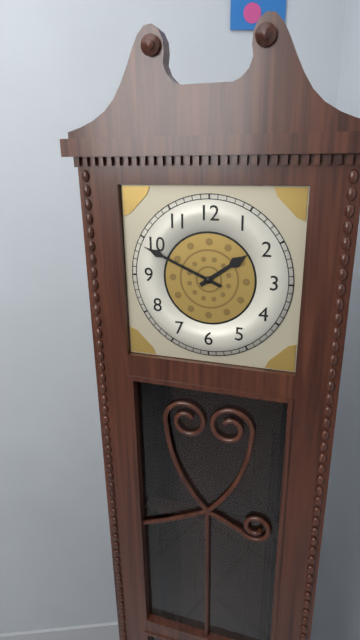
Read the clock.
1:49
